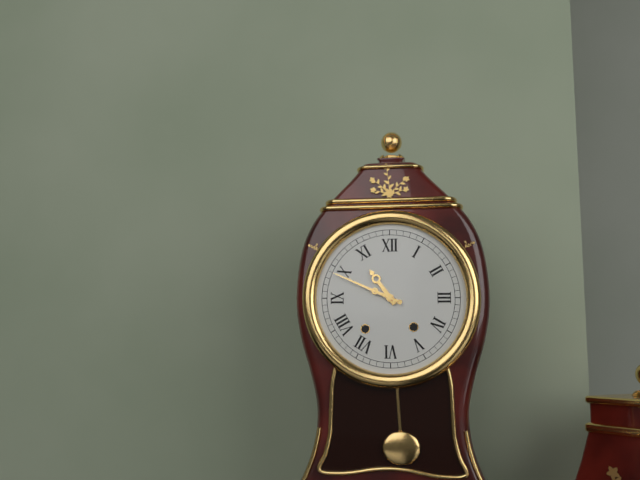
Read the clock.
10:49
